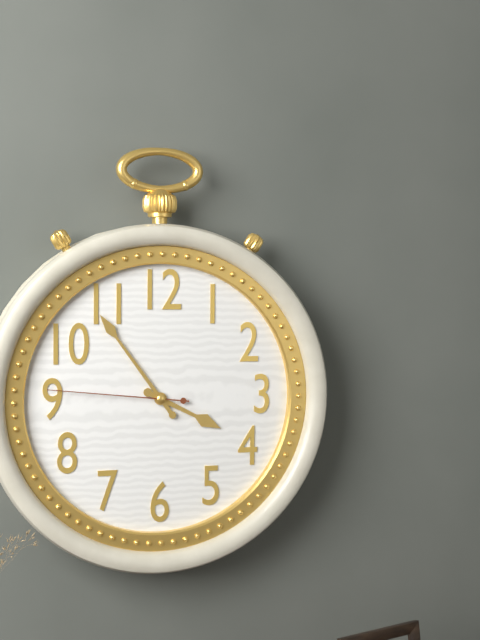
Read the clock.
3:54:46
